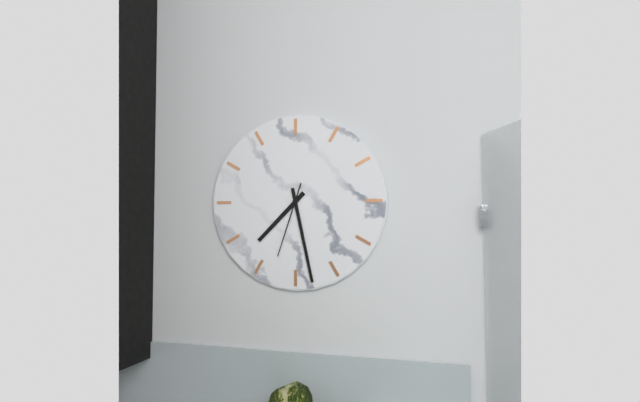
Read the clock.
7:28:33
